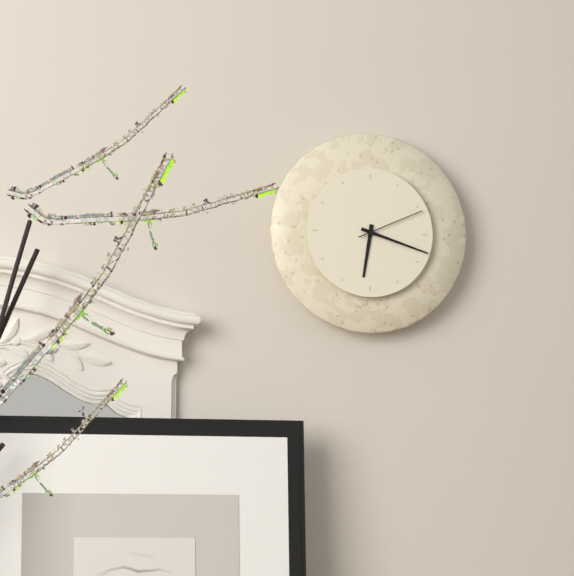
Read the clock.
6:18:11
